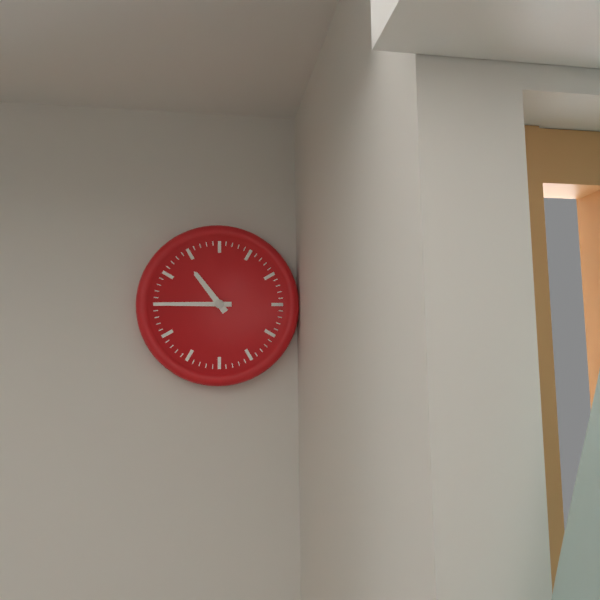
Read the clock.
10:45
